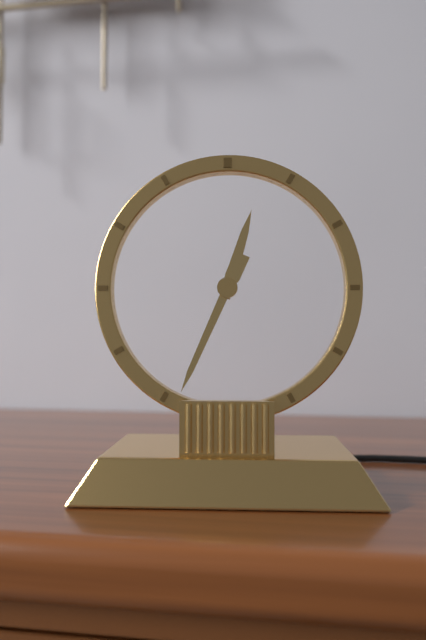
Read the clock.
12:34
